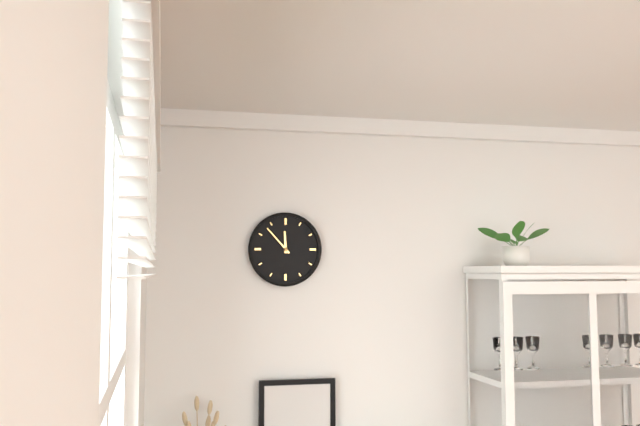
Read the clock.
11:53
